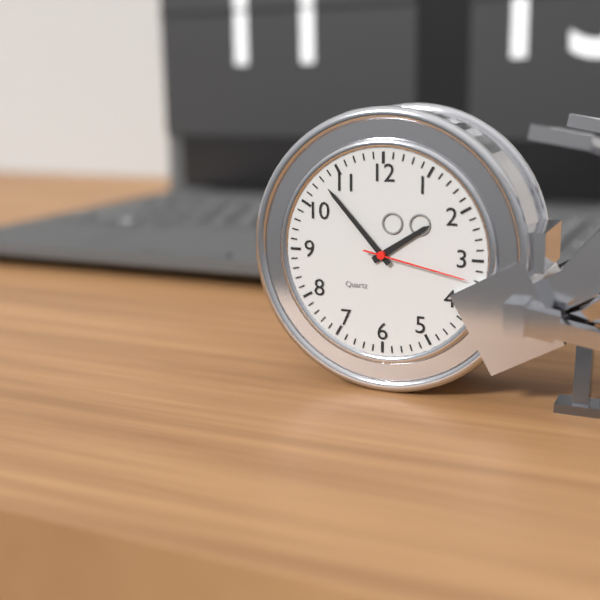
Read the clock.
1:53:17
